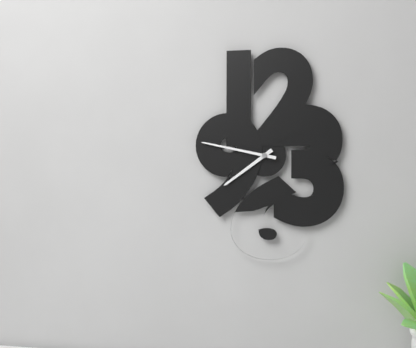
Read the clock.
7:47
